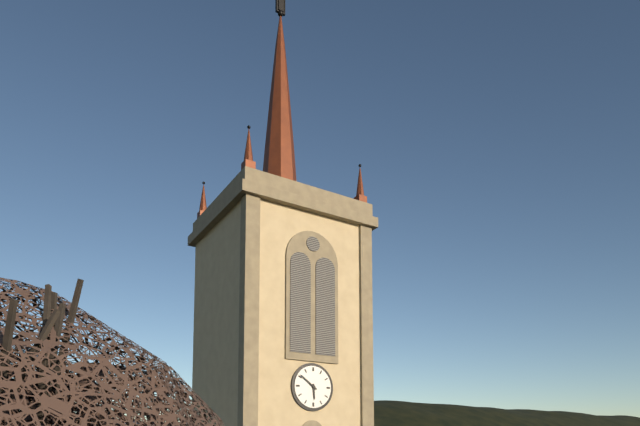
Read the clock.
5:51
